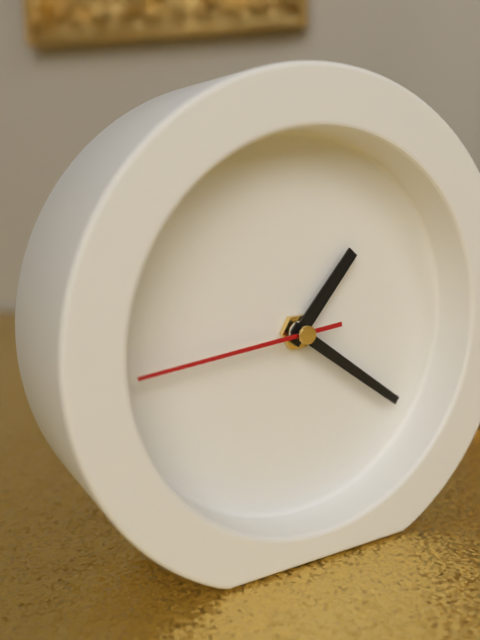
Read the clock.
1:21:44
